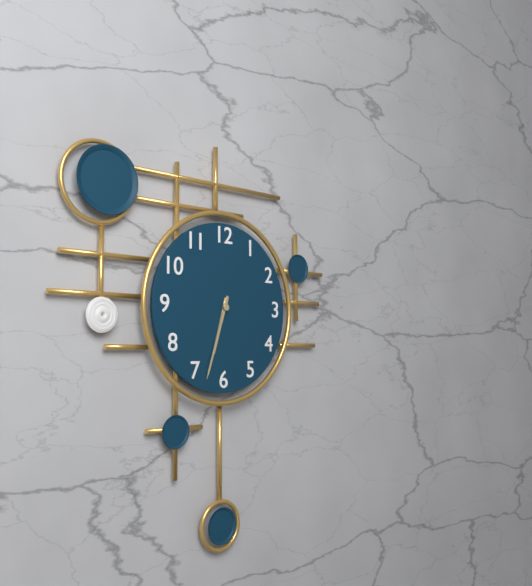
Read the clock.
6:33
